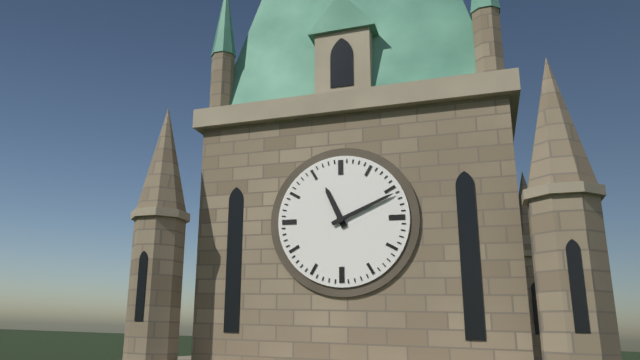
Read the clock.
11:11
